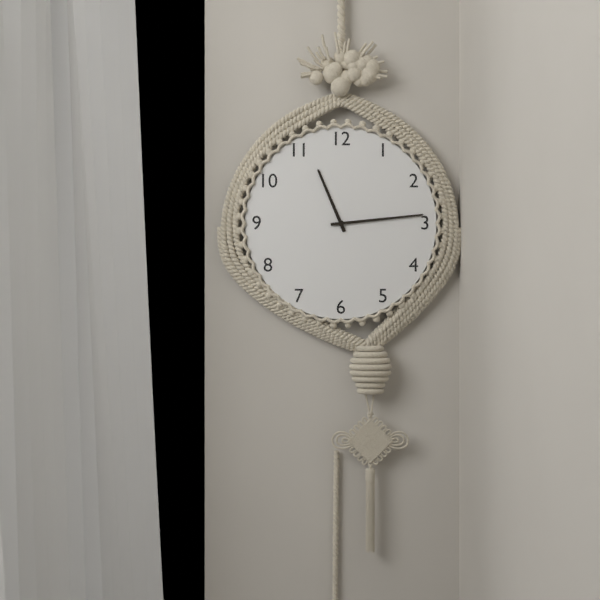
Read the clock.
11:14
